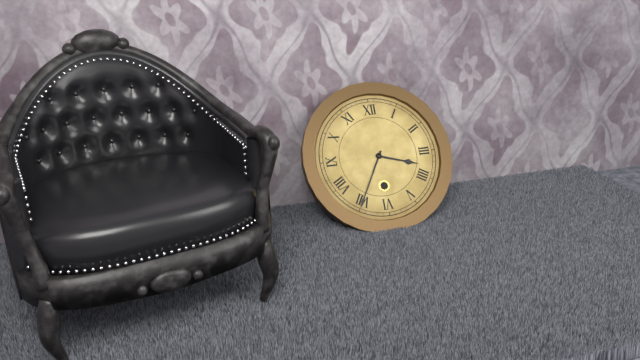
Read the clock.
3:35
